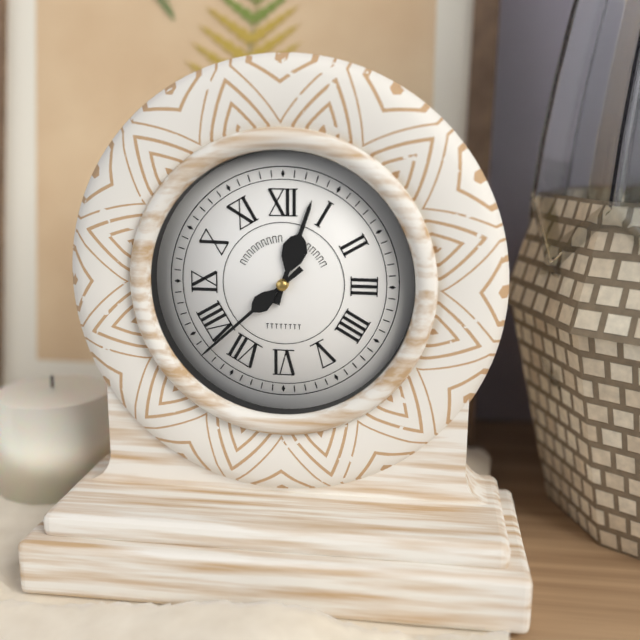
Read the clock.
12:38
